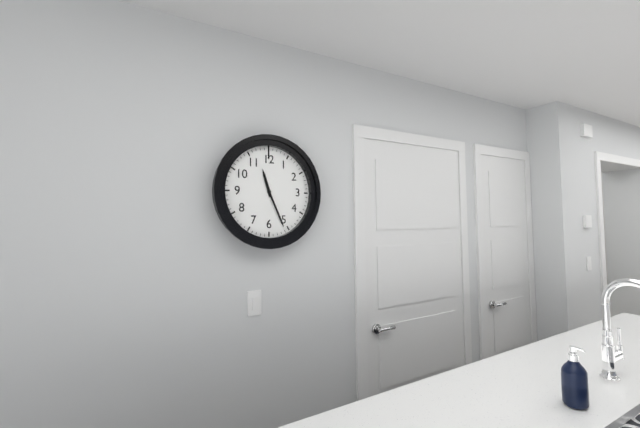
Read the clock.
11:26
